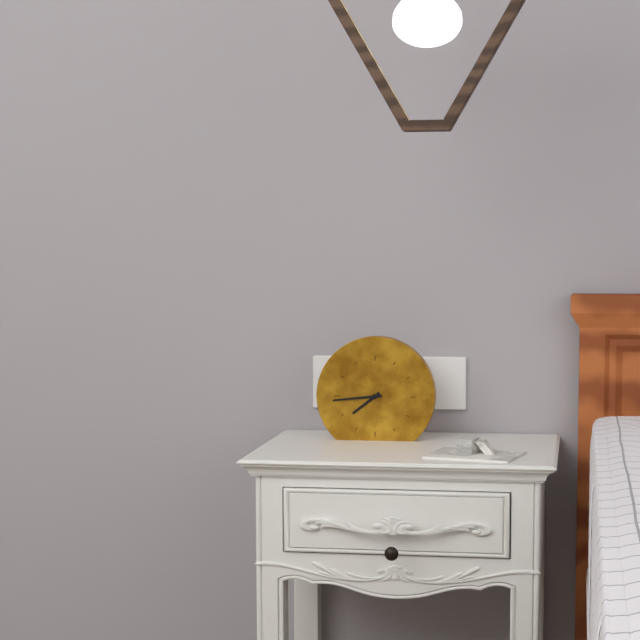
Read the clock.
7:44
